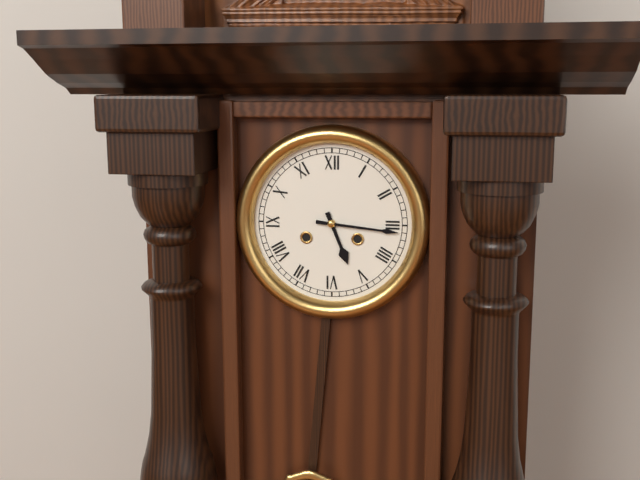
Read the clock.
5:16
